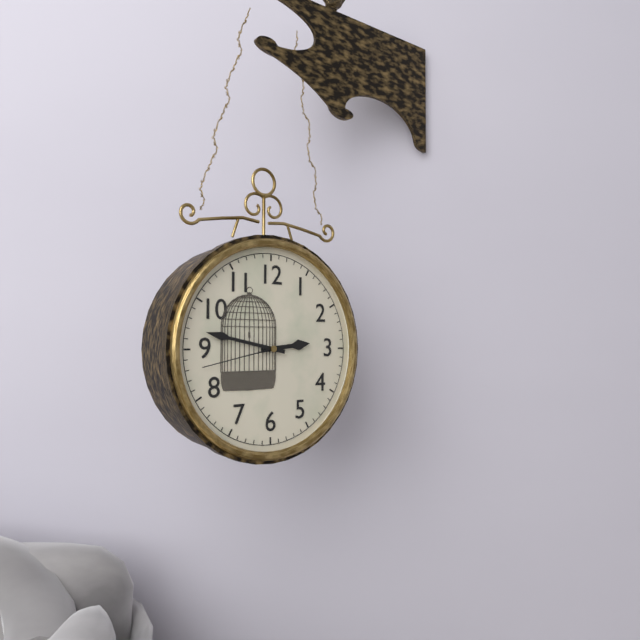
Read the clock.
2:47:43
